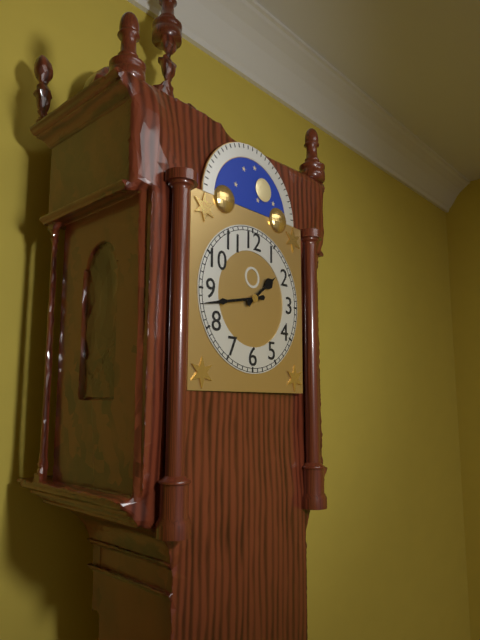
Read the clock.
1:43
